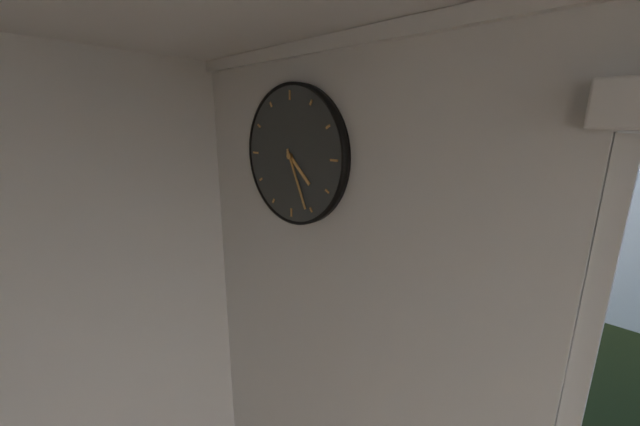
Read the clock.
4:26
